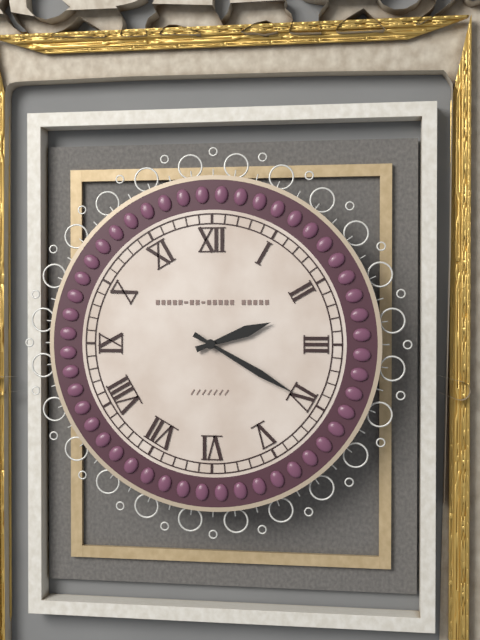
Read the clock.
2:20
